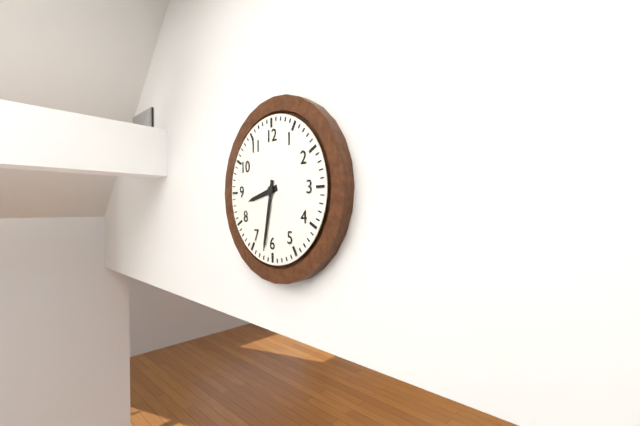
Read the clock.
8:32
